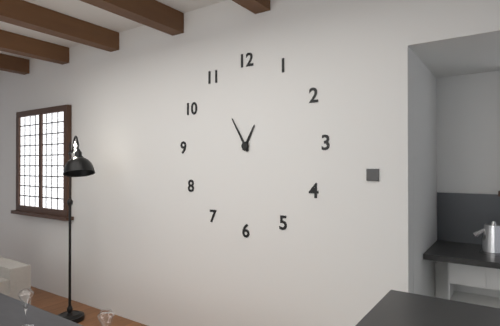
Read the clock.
12:55
